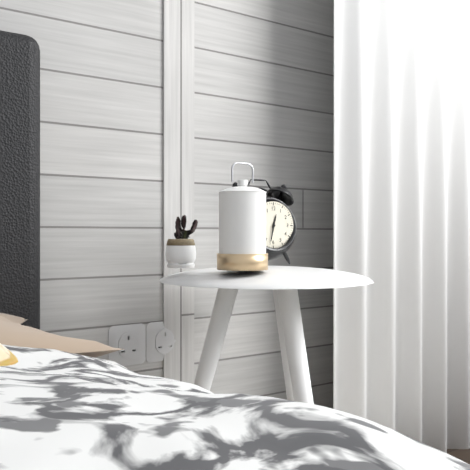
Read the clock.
12:32
